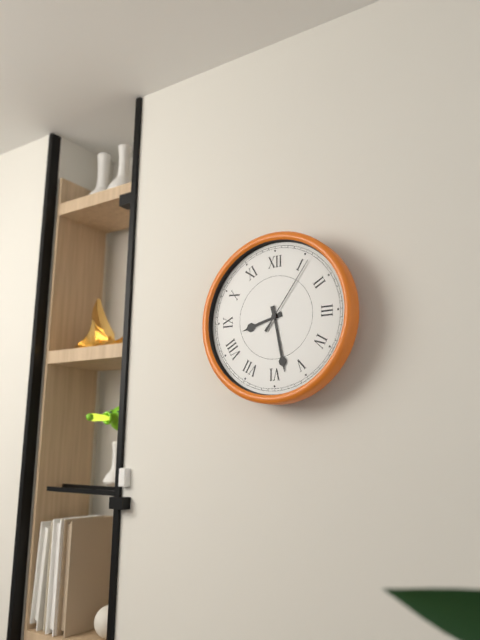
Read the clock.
8:28:06
